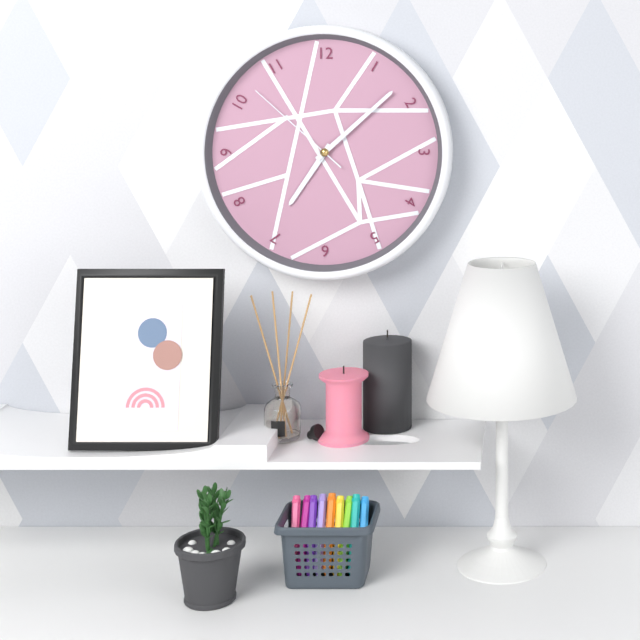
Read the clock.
7:08:52
